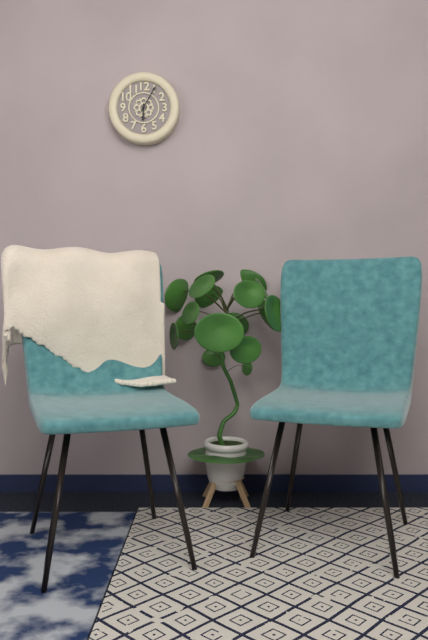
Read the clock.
6:05
